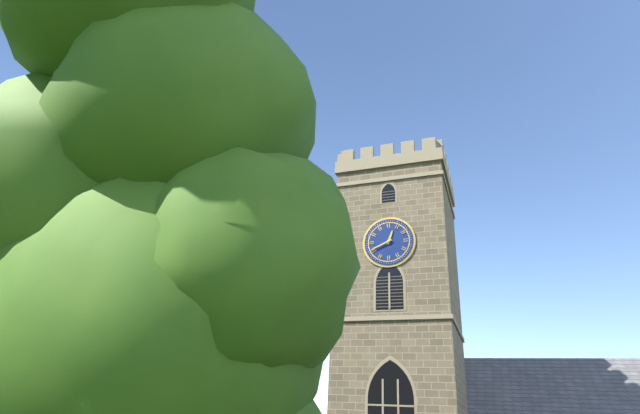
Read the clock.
12:41
